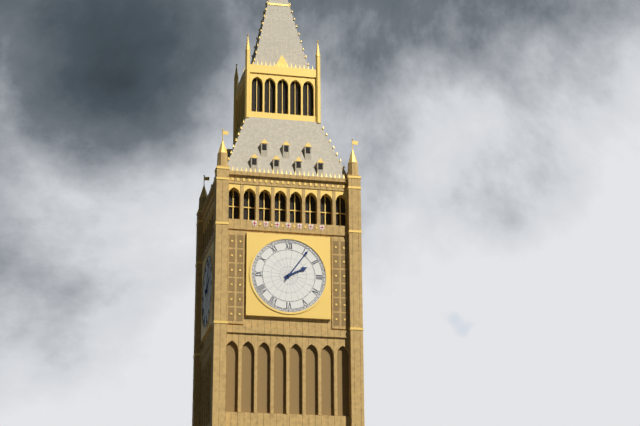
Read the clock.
2:06
